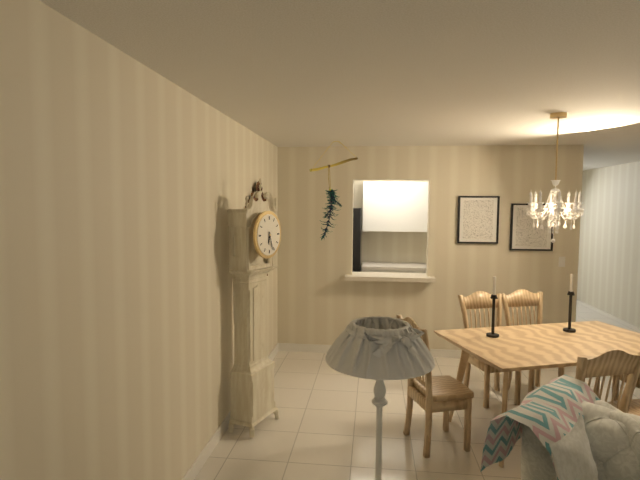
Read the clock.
6:27
